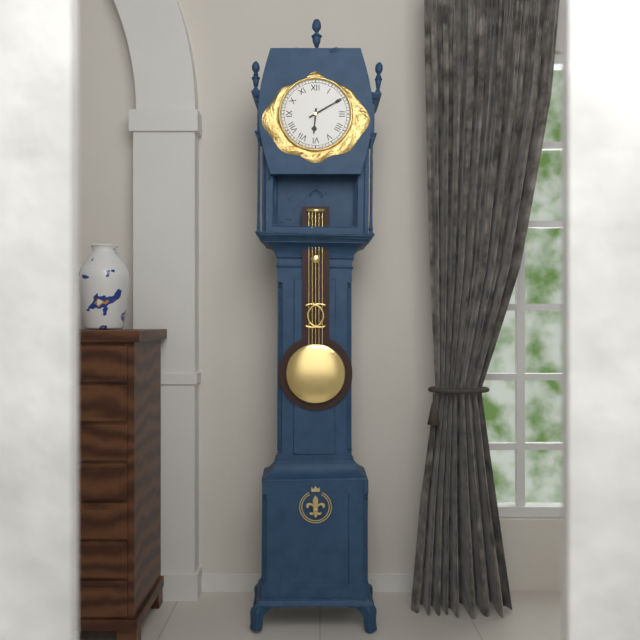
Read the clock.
6:10
